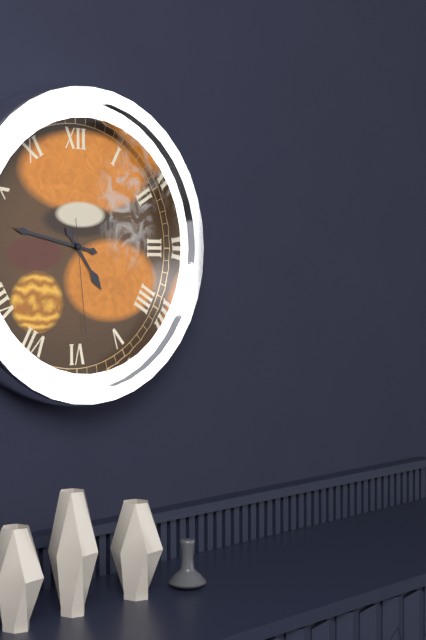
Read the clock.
4:47:29
